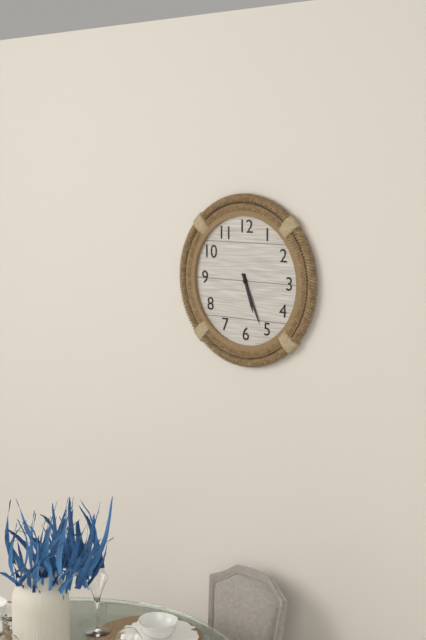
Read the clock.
5:26
